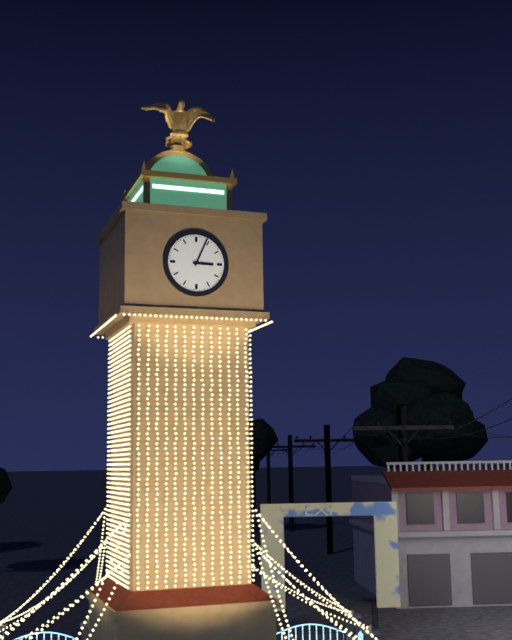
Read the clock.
3:04
